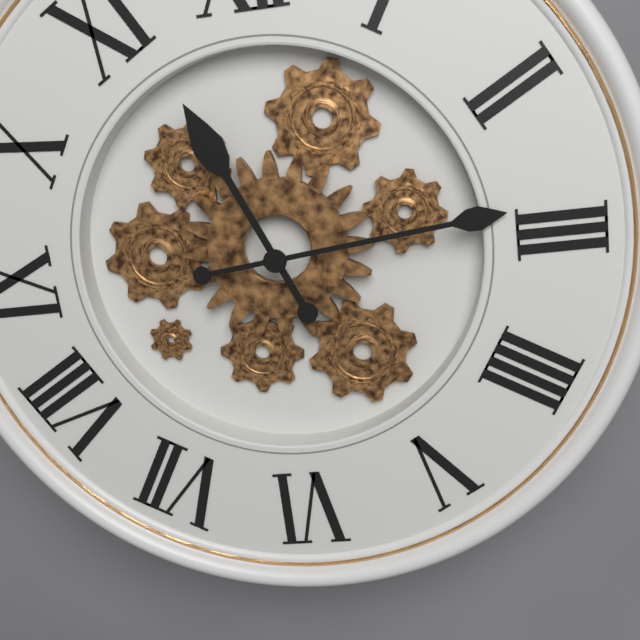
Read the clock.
11:14
